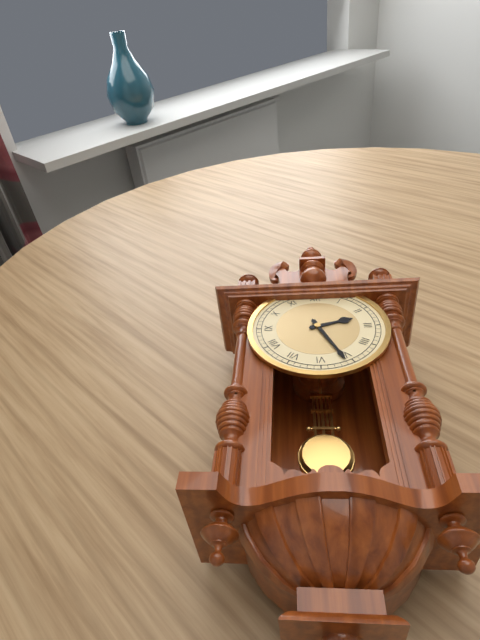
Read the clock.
2:26
